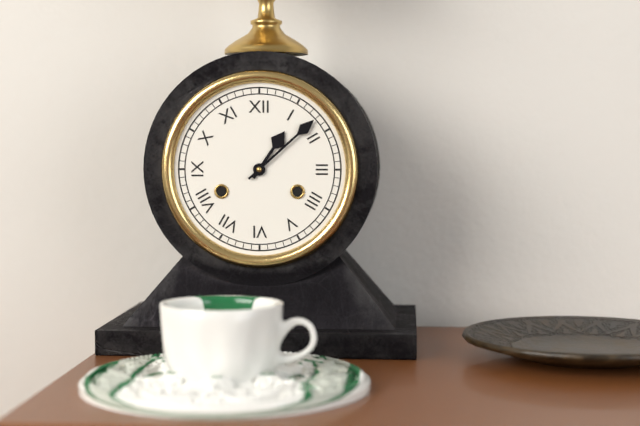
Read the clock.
1:08
